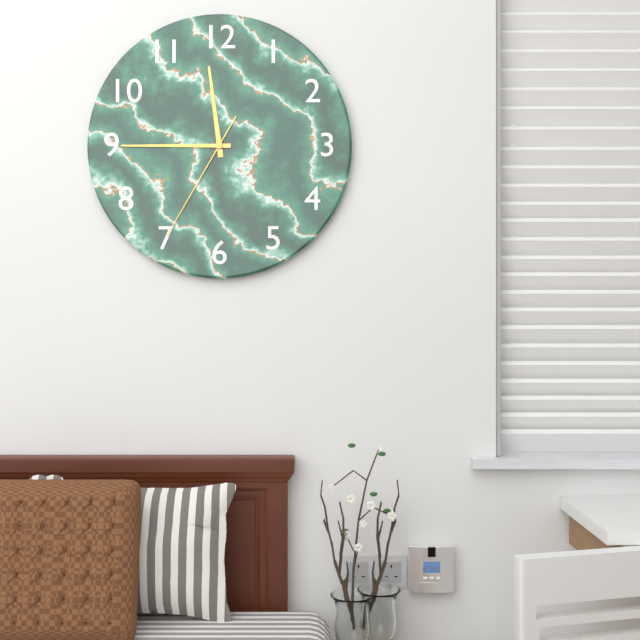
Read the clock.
11:45:35
